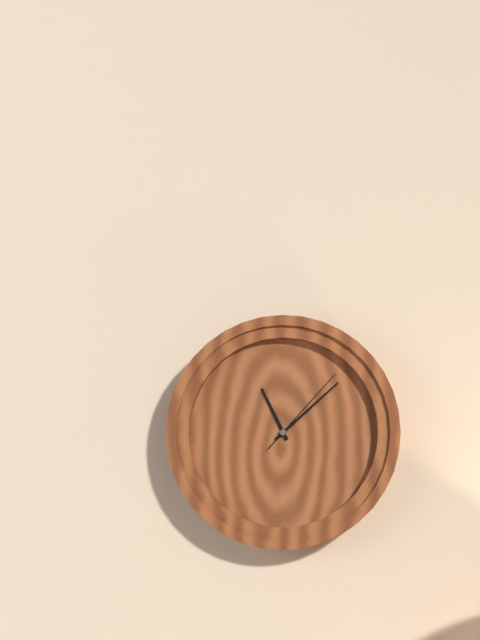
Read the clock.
11:08:07
